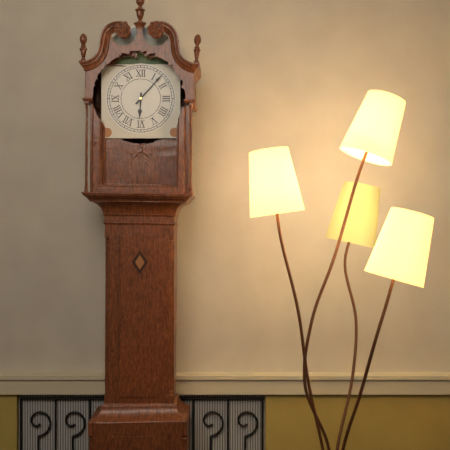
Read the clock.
6:07
